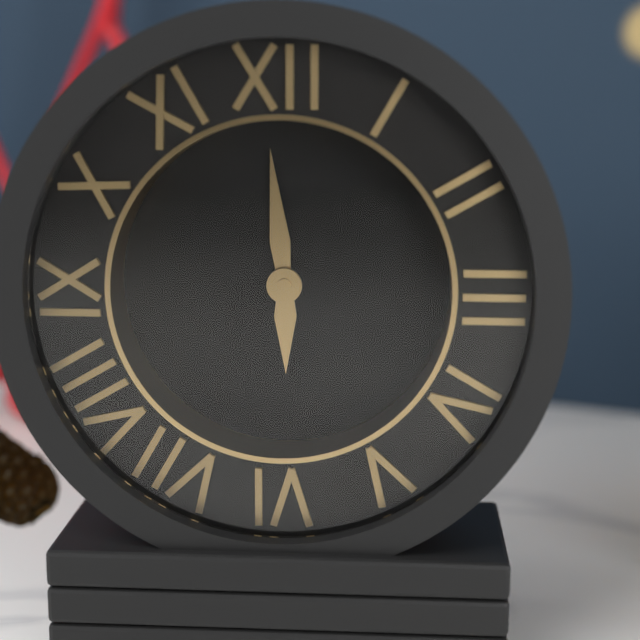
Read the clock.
5:59
